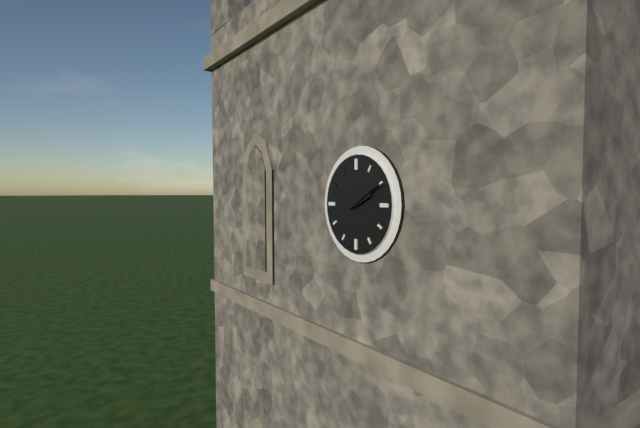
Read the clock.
2:10
